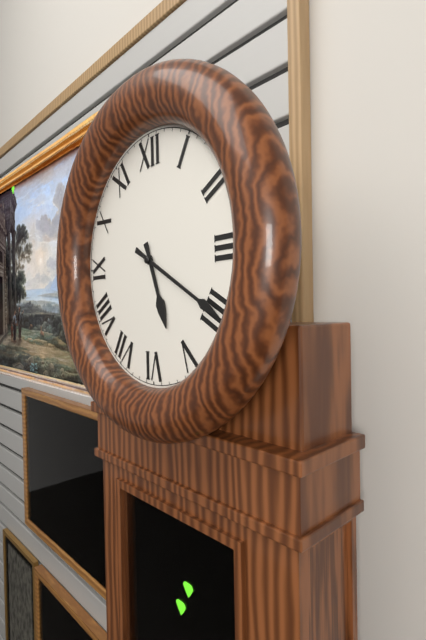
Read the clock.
5:20
